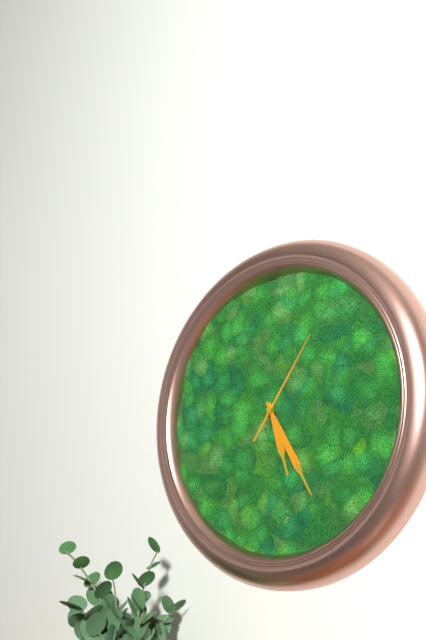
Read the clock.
5:25:06
